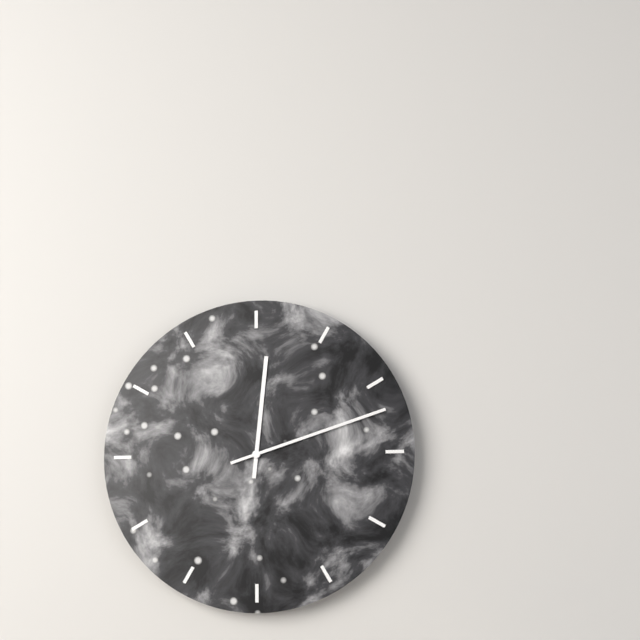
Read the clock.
12:12
